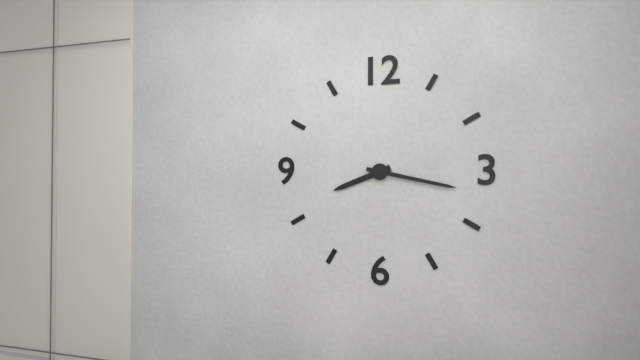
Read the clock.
8:17
